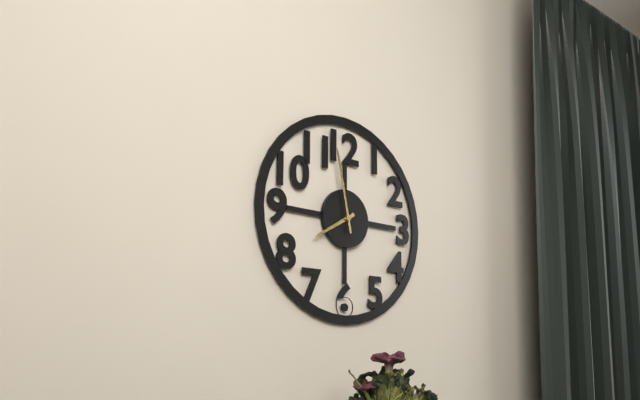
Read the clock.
7:58
